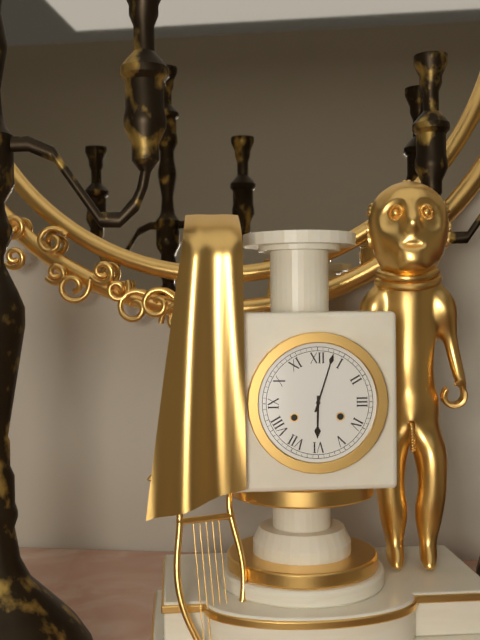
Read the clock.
6:03
